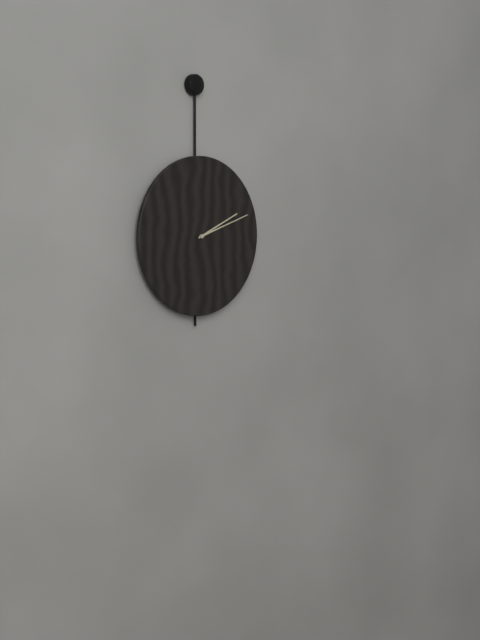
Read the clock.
2:12
